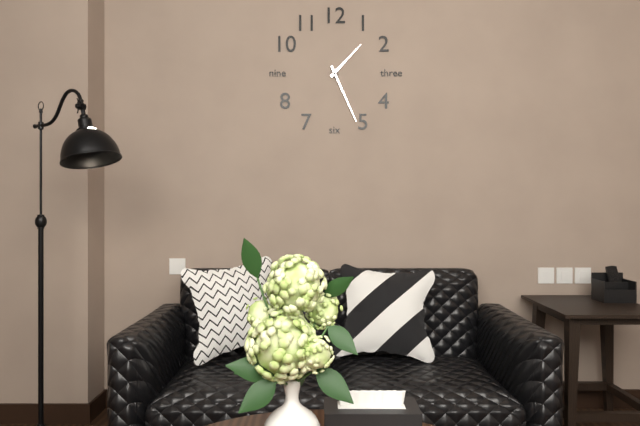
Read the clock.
1:26
